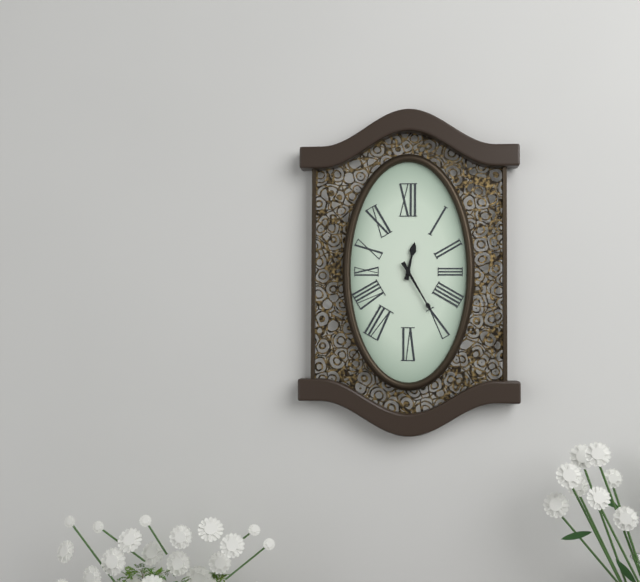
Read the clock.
12:25
